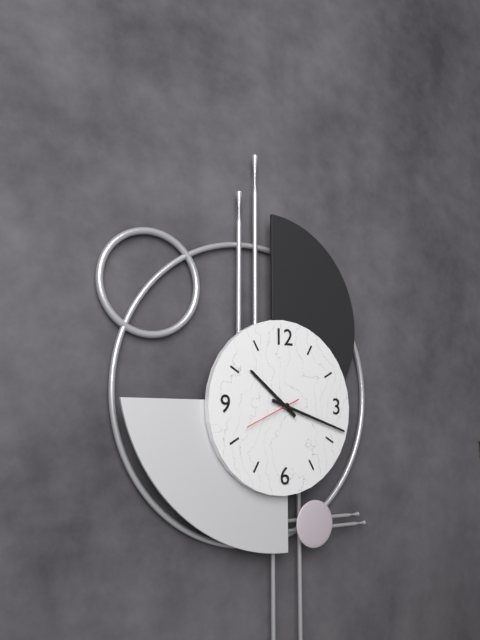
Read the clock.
10:18:41
